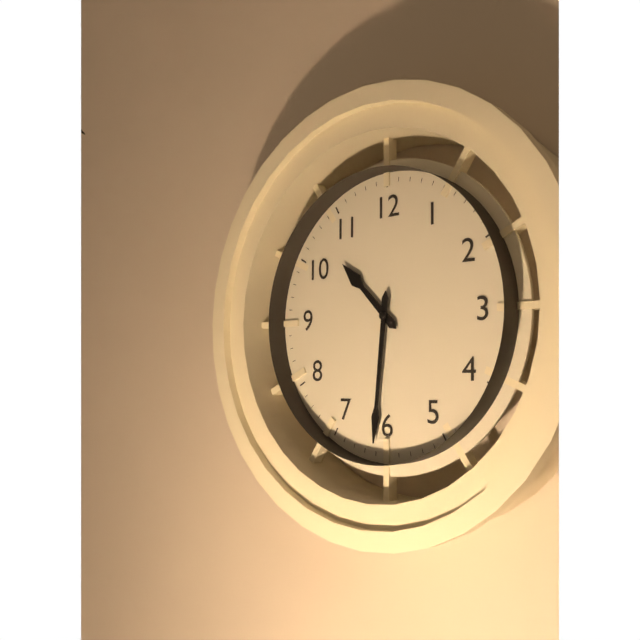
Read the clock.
10:31
